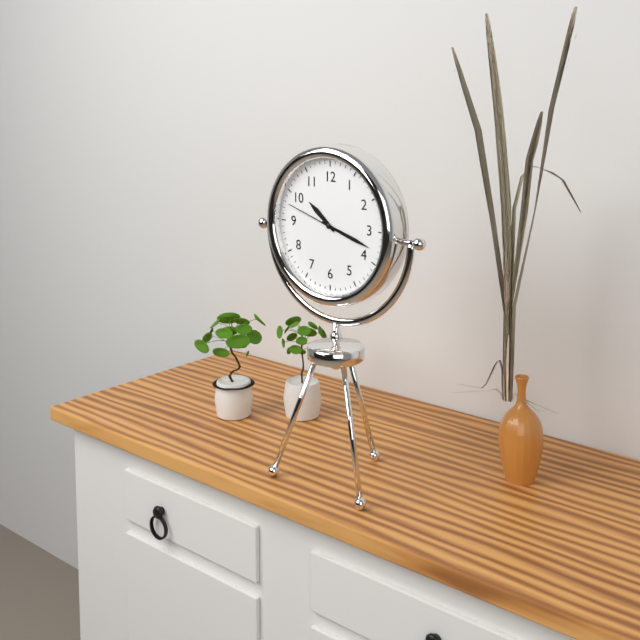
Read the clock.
10:18:48
